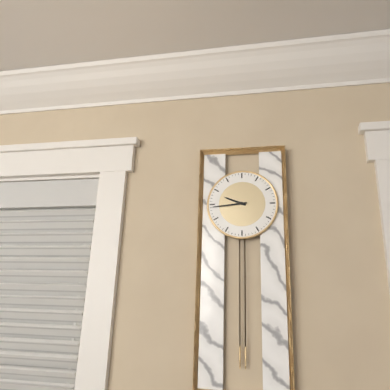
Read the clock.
9:44
